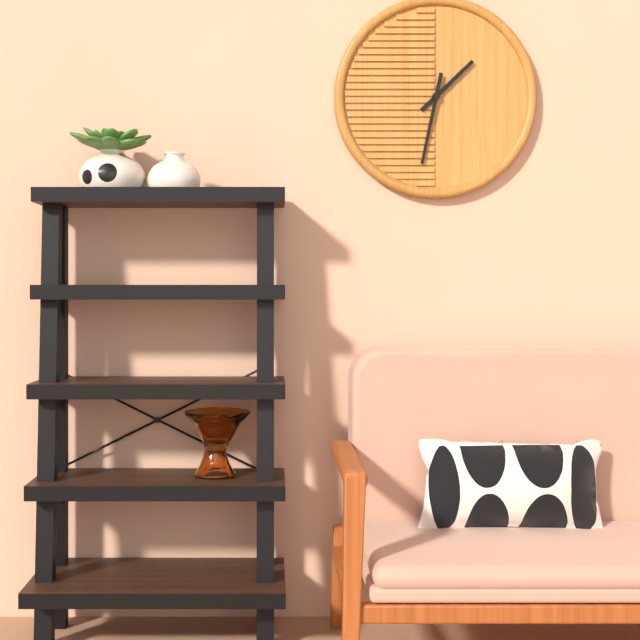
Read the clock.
1:32
